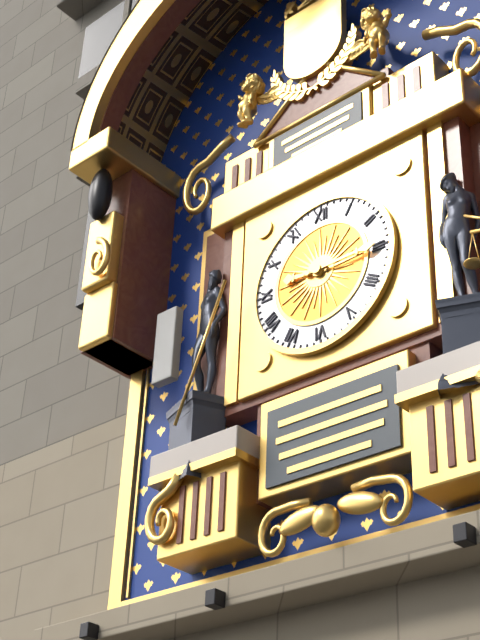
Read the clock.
9:15
